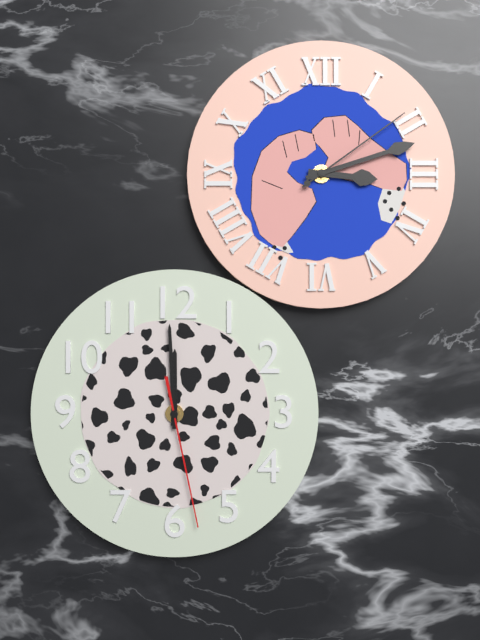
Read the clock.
3:12:09
